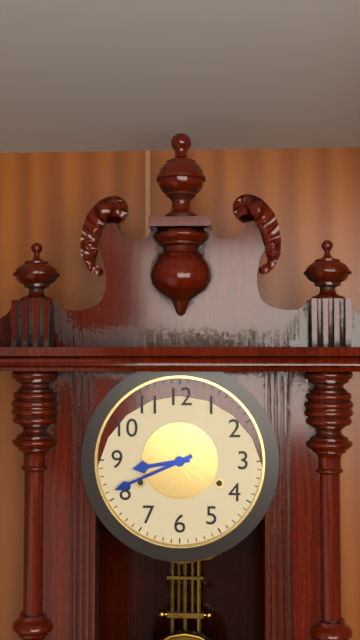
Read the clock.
8:41
